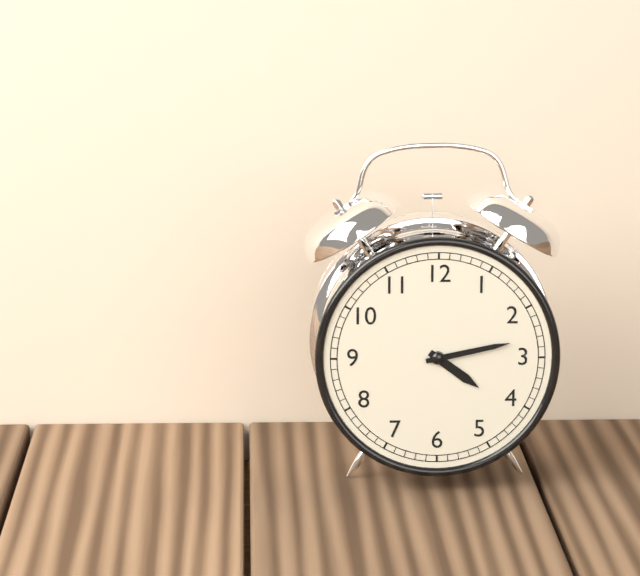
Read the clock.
4:13
